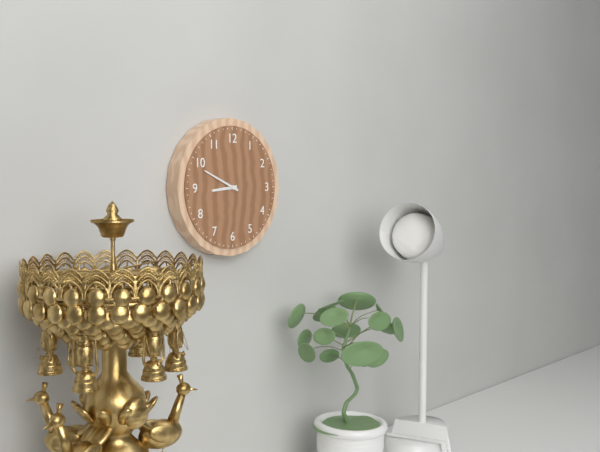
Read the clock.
8:49
